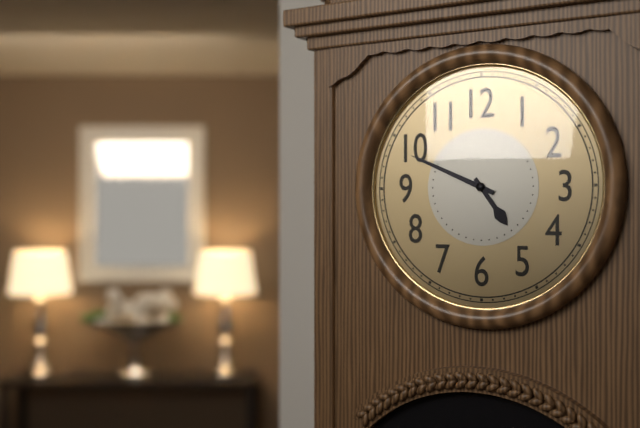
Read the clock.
4:49
